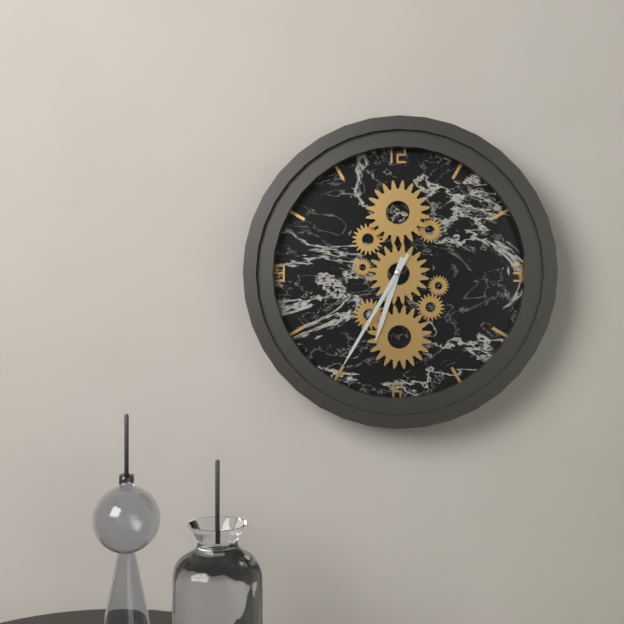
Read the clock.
6:35
